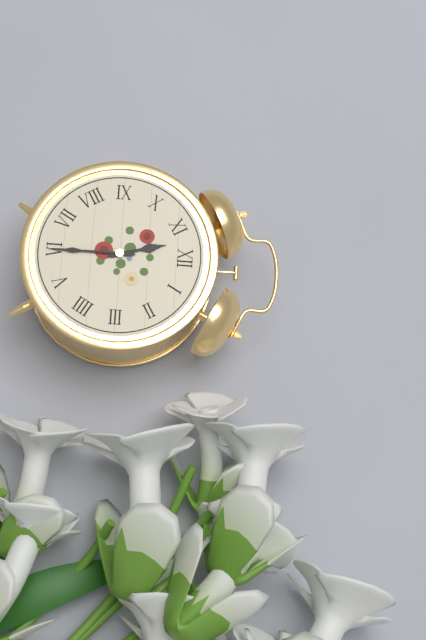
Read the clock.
11:30
